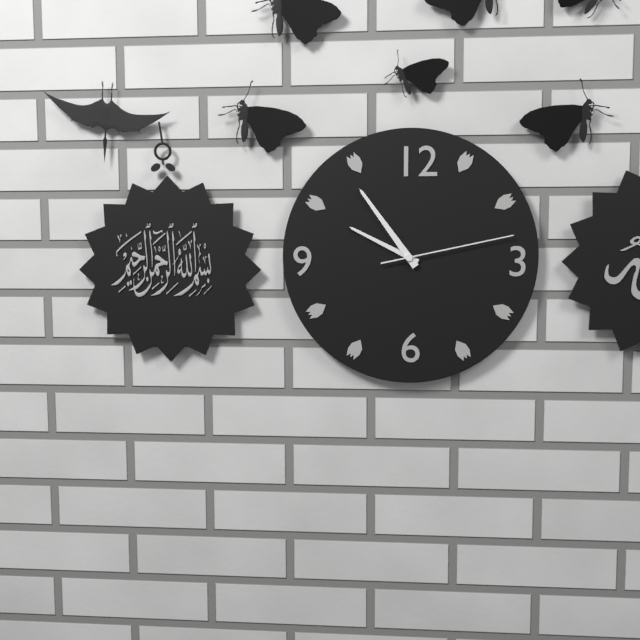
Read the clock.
9:54:13
